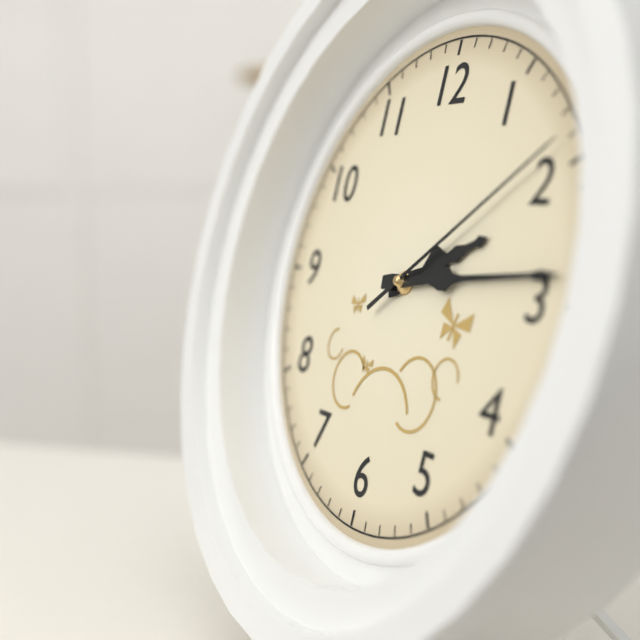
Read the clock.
2:14:09
